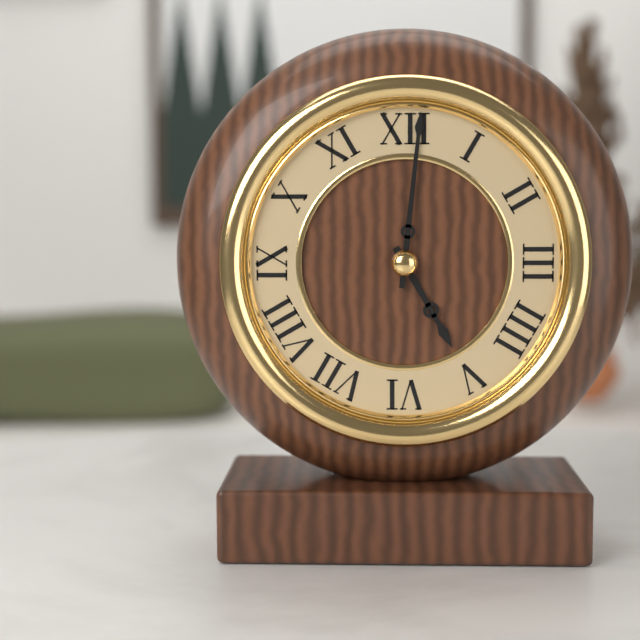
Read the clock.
5:01
